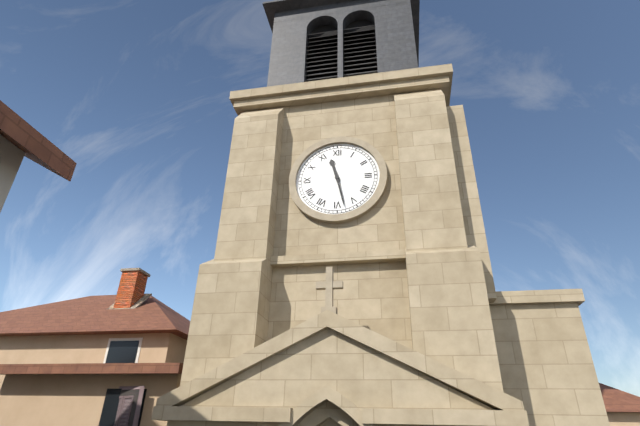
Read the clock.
11:28
